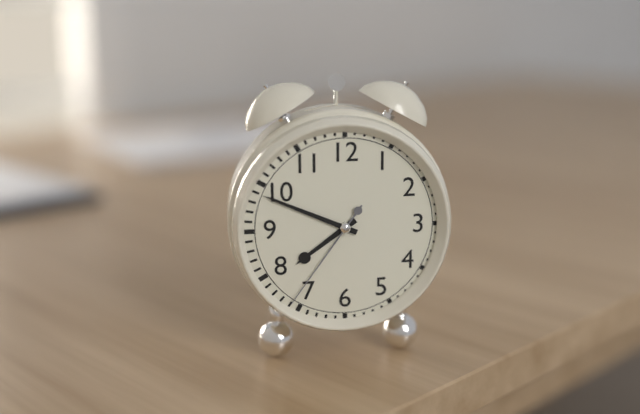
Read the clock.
7:49:36
